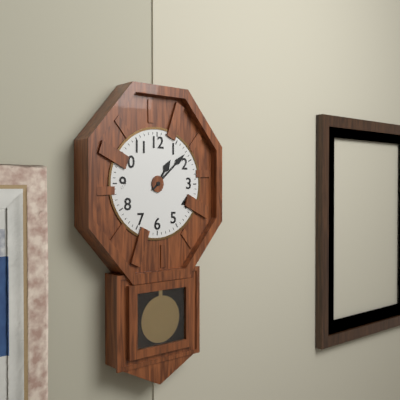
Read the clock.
1:08
